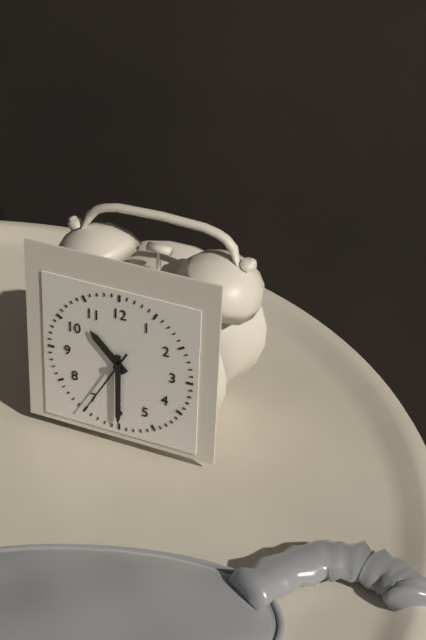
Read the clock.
10:30:35
